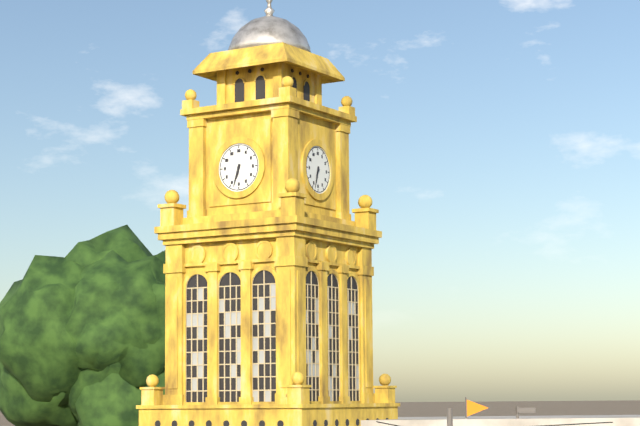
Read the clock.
6:33
